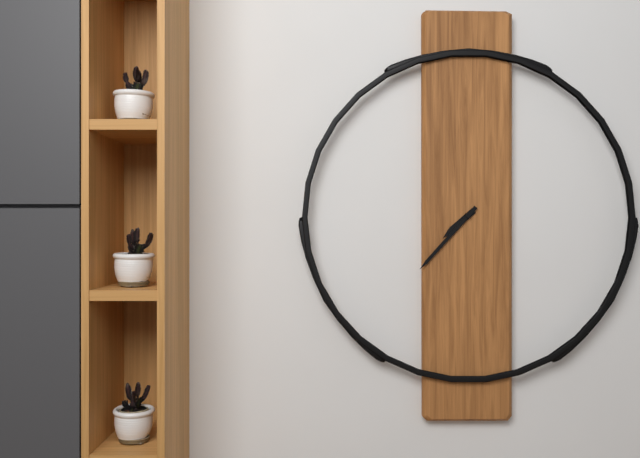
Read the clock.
7:37
